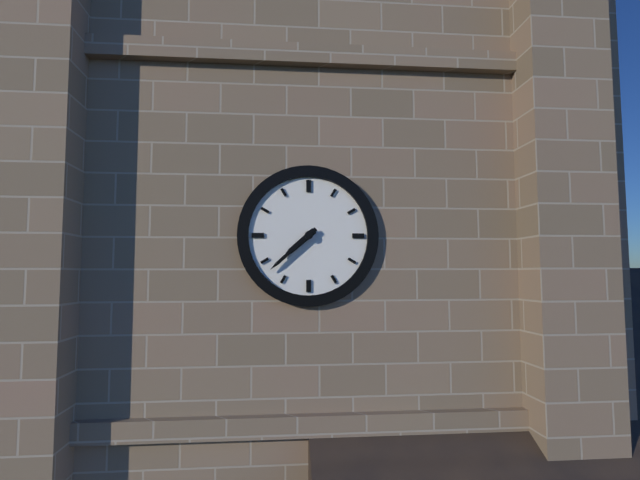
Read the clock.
7:38
